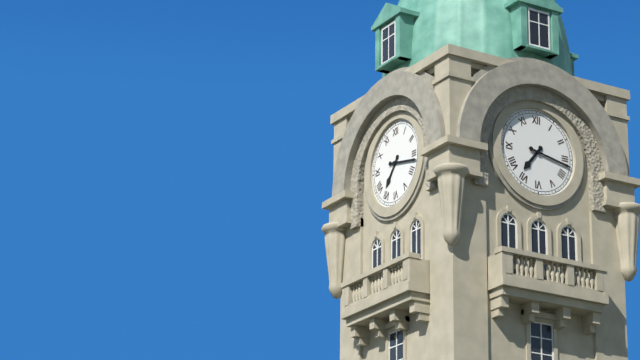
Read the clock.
7:17
